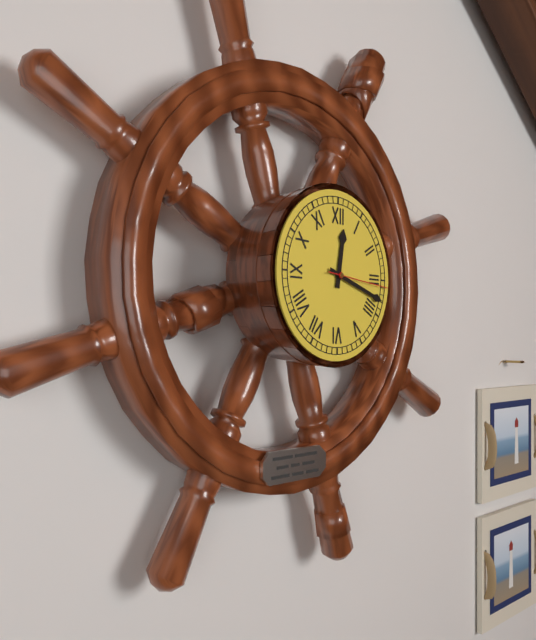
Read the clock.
12:18:16
